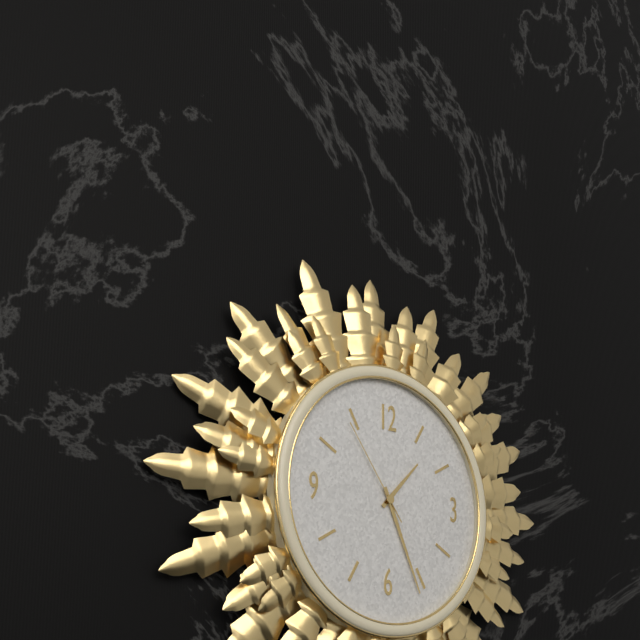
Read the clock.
1:26:54
